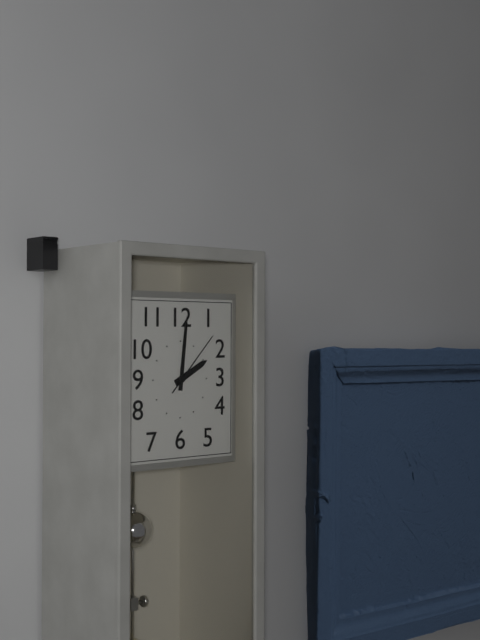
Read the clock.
2:01:07
